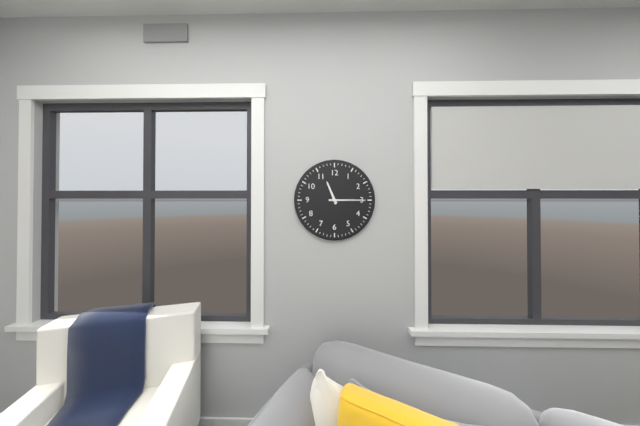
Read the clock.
11:15
